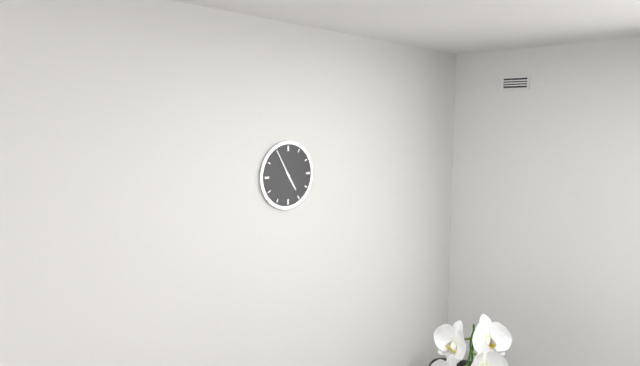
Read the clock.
4:55
